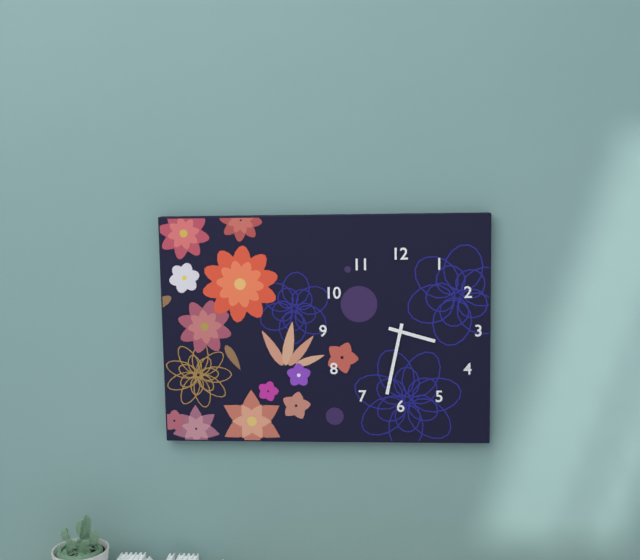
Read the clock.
3:32
